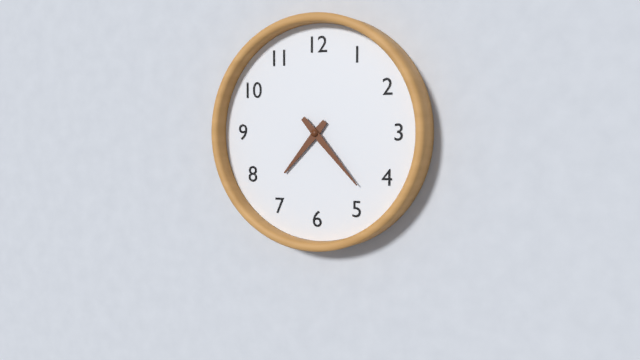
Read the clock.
7:23
